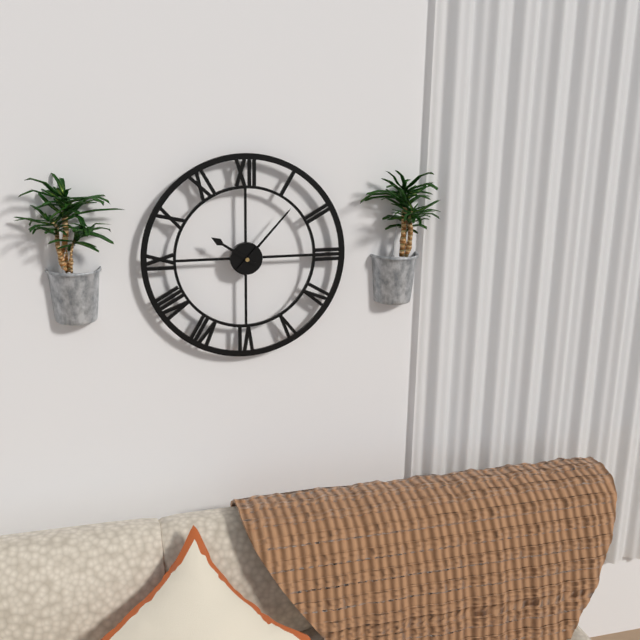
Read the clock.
10:07
